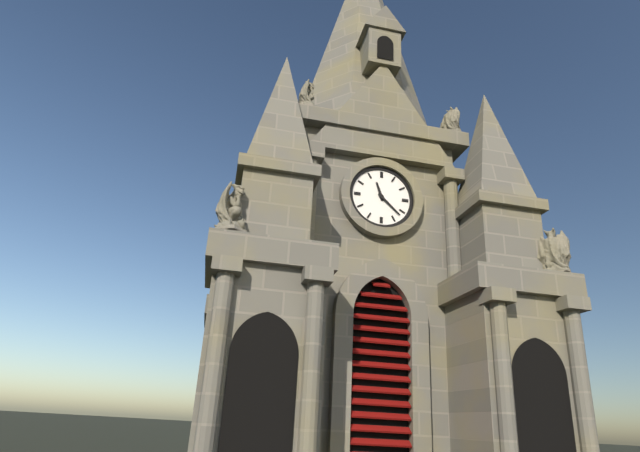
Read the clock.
11:22
